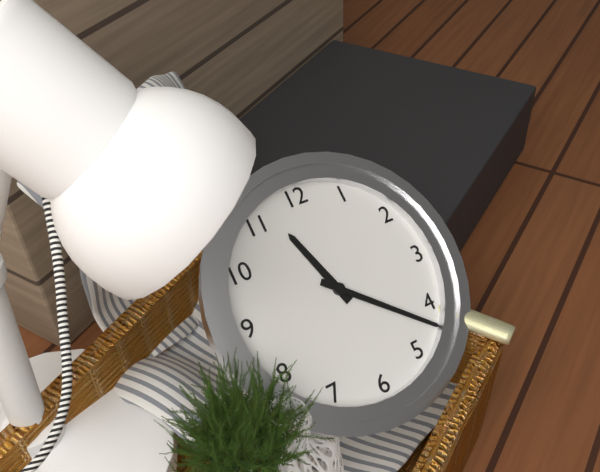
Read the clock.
11:22
